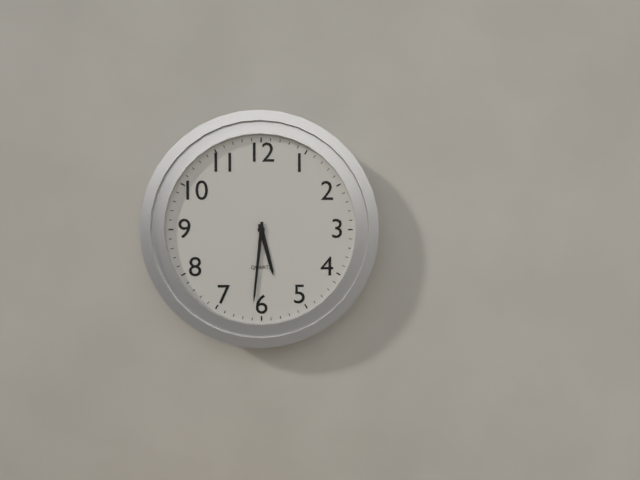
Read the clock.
5:31
